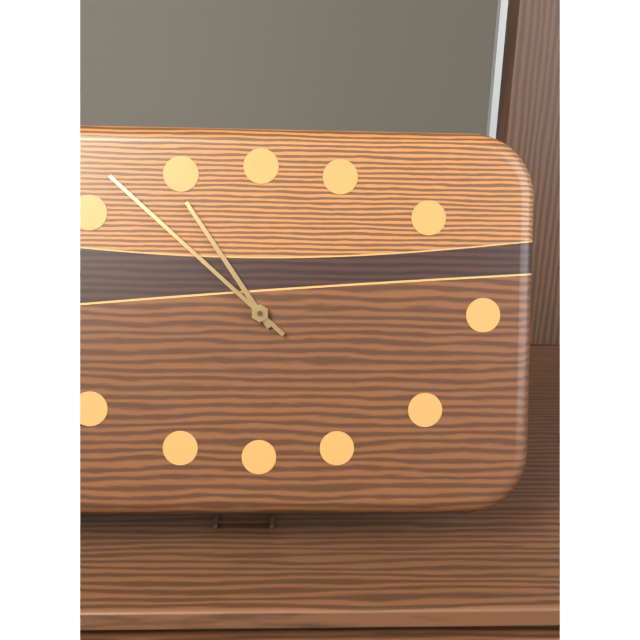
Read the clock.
10:52
